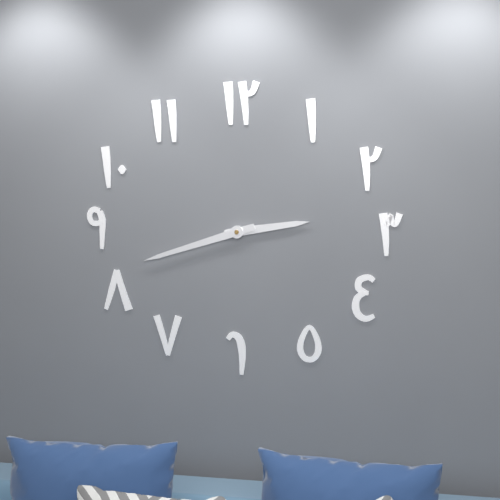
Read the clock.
2:42
